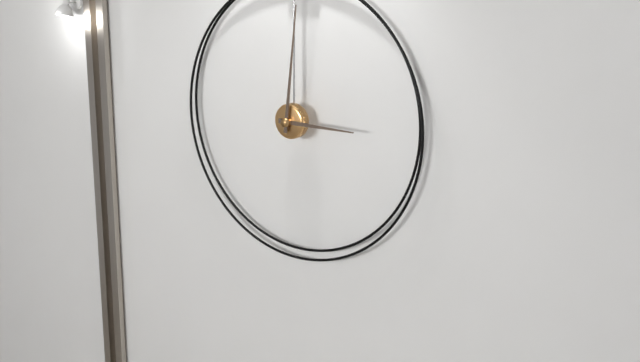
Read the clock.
3:01
